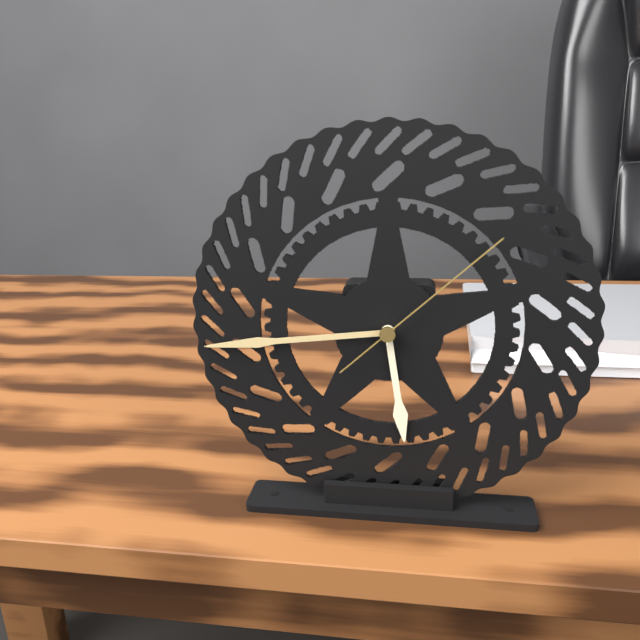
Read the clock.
5:44:08
